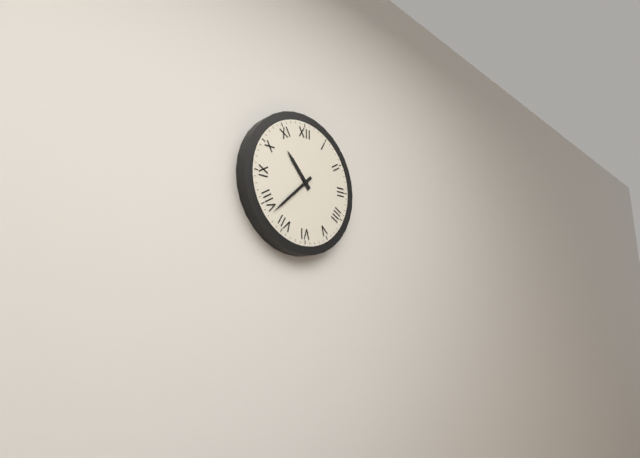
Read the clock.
10:38
